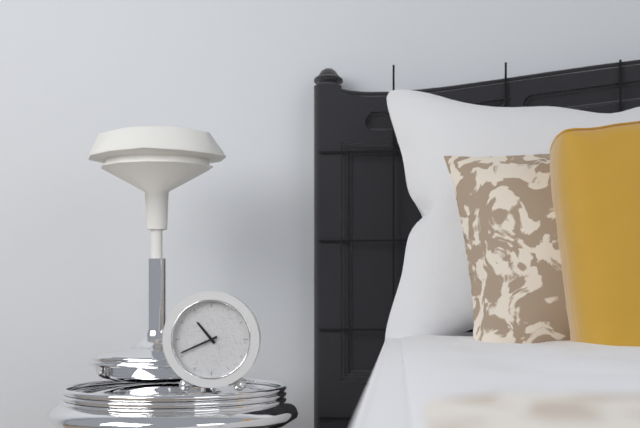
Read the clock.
10:41
